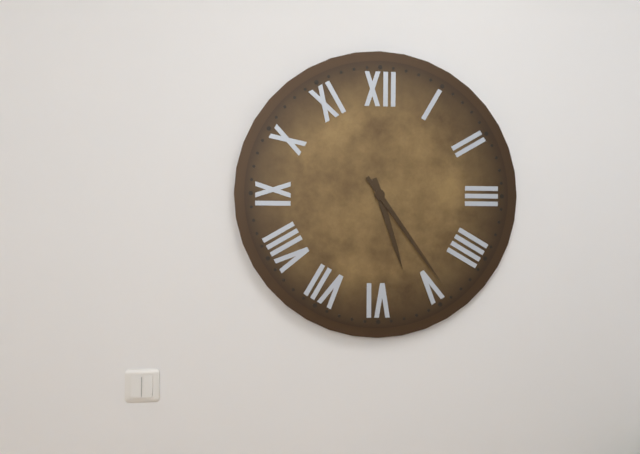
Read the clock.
5:24
